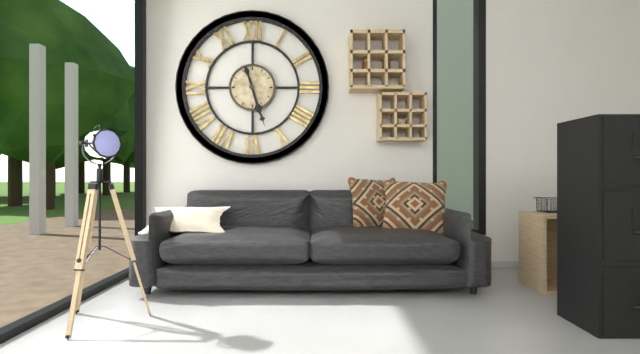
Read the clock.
5:27
